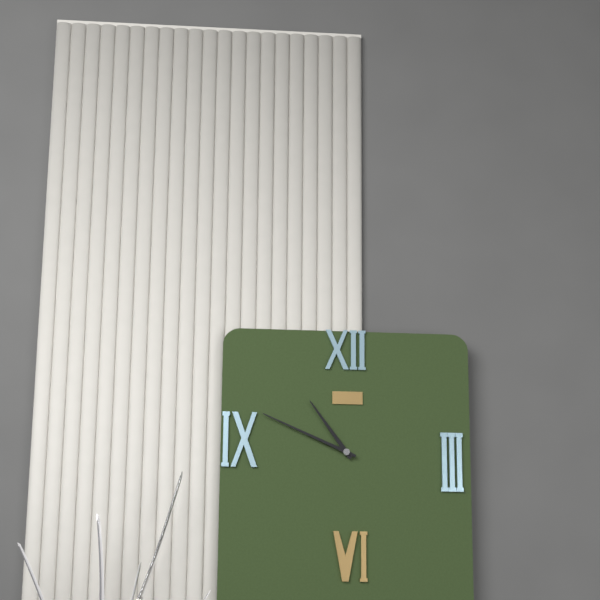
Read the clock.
10:49
